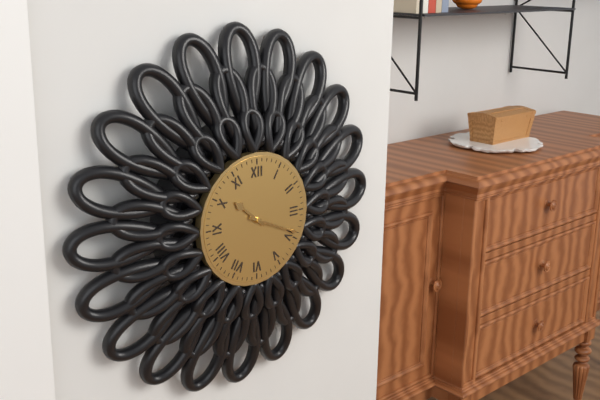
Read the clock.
10:19
